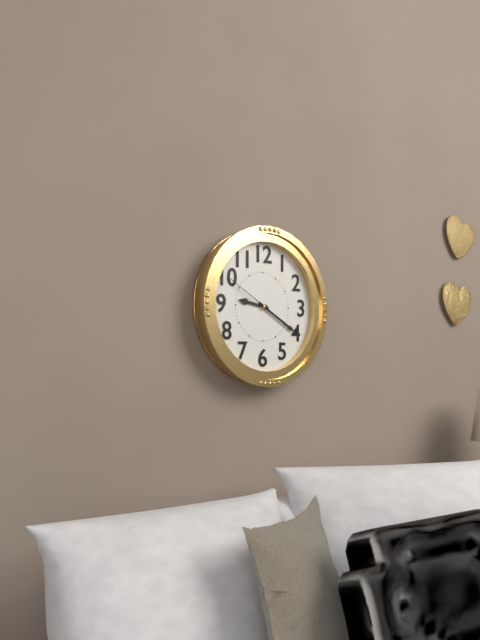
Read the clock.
9:20:50
